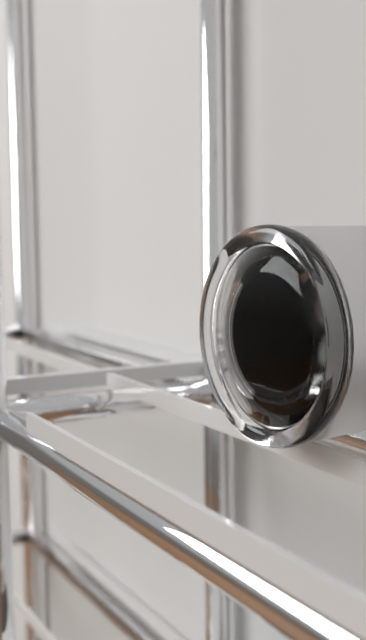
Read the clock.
11:42
